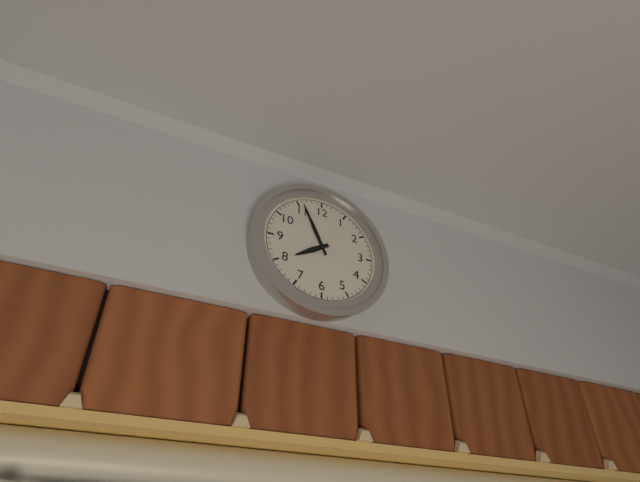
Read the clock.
7:56
